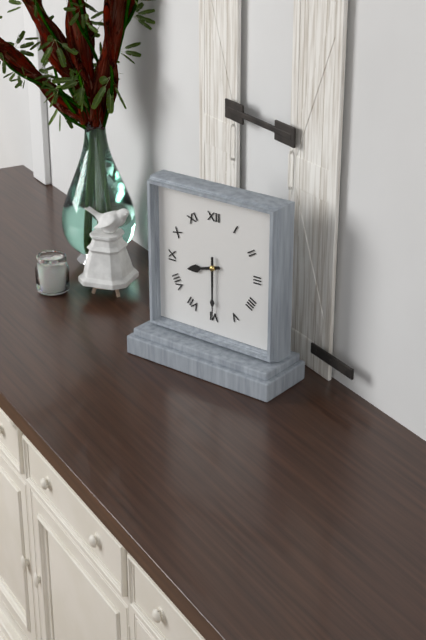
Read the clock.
8:30
